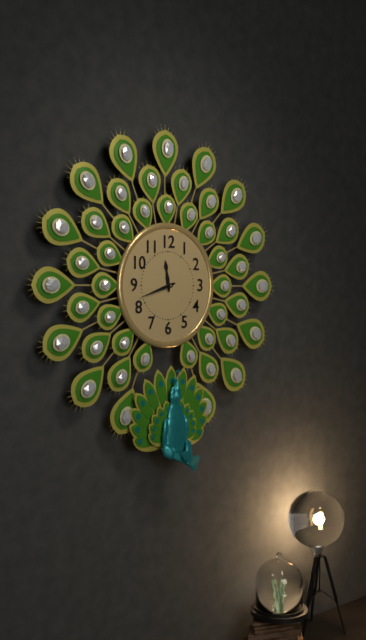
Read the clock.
11:42
